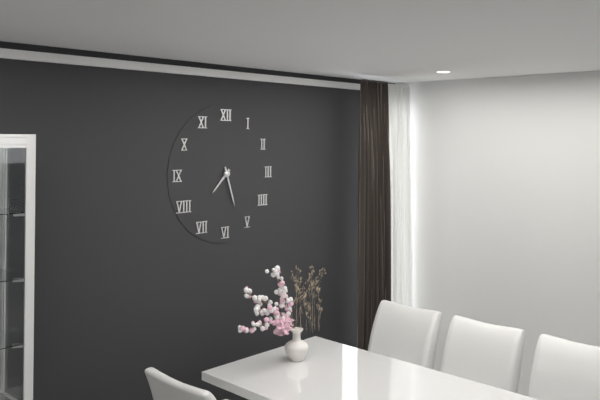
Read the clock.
7:27
